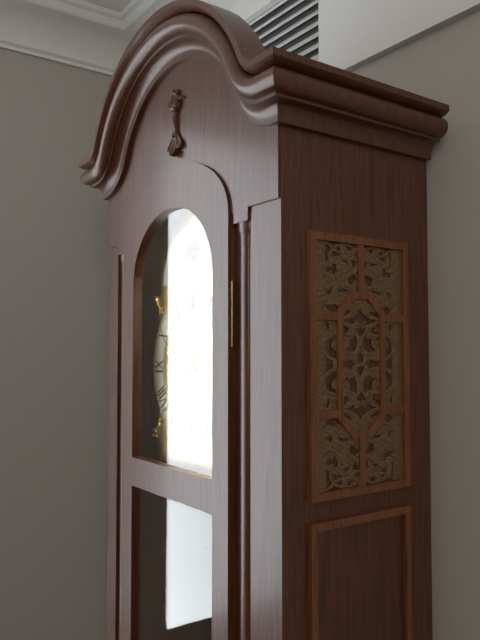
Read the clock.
9:38
